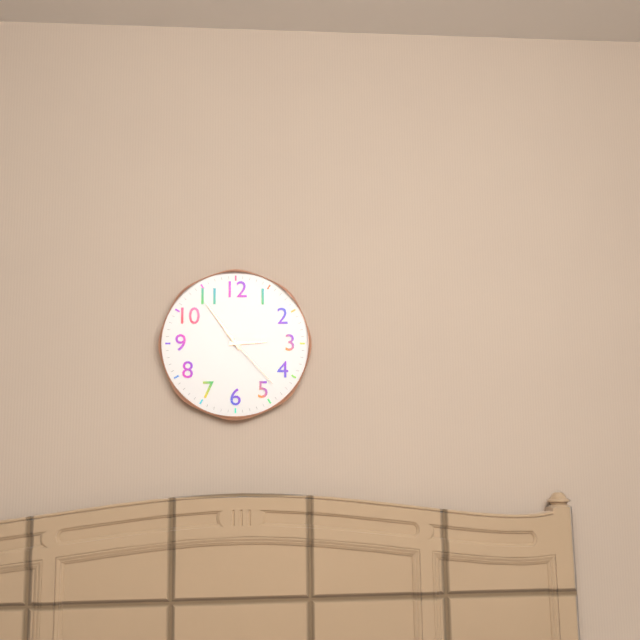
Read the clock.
2:54:23
